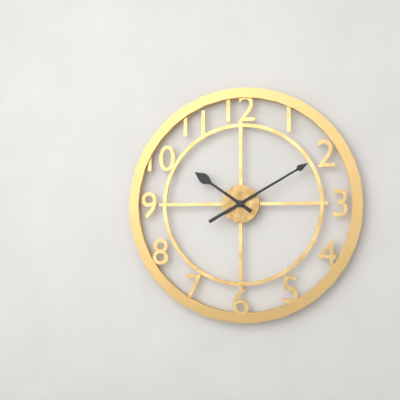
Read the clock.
10:10
